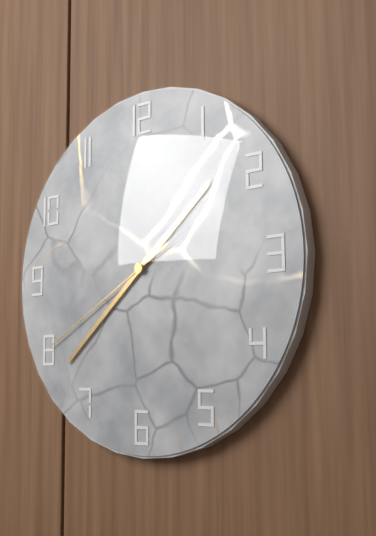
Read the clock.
1:38:40
